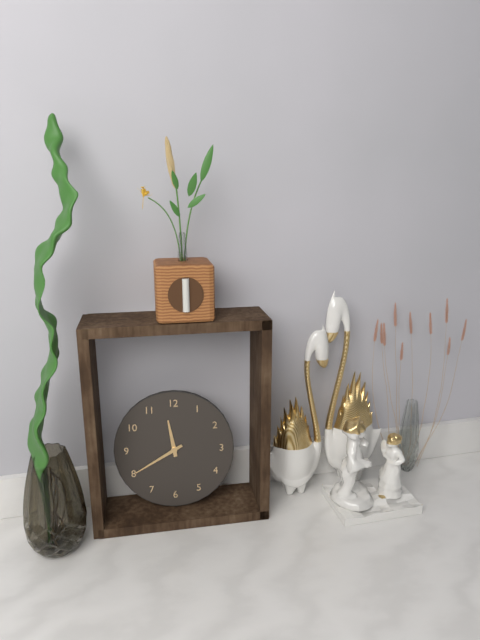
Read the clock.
11:40
